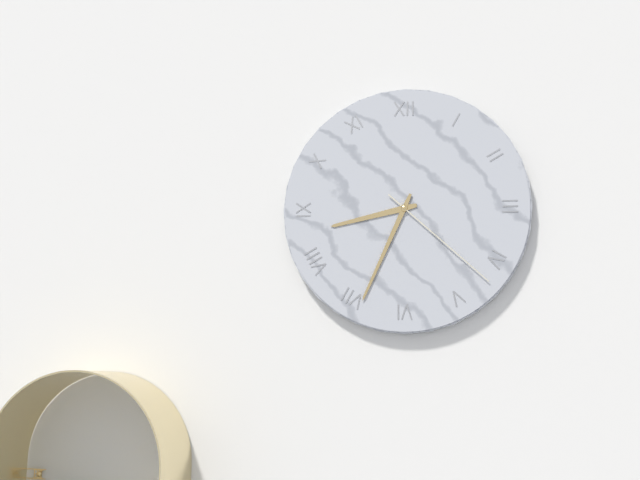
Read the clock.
8:34:22
